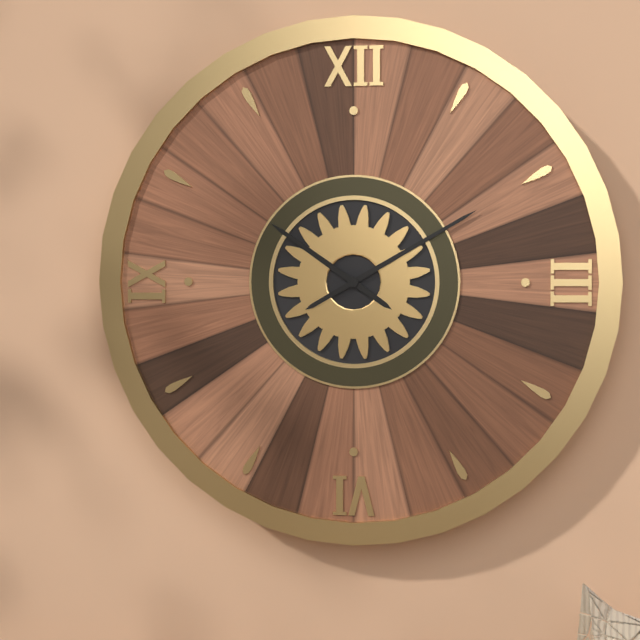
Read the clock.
10:10
